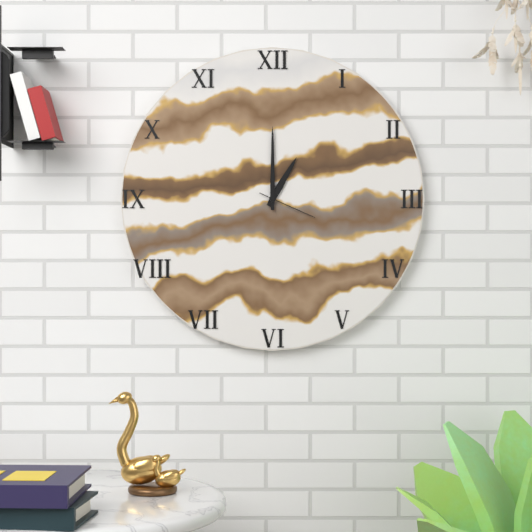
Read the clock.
1:00:19
